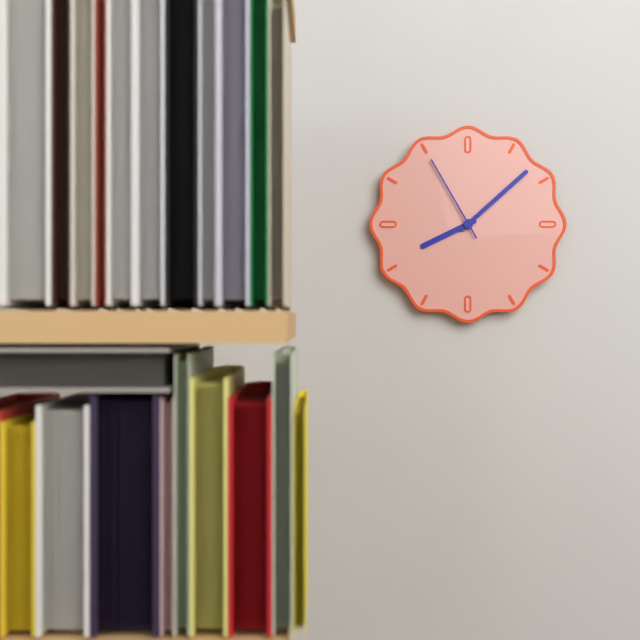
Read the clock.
8:08:55
